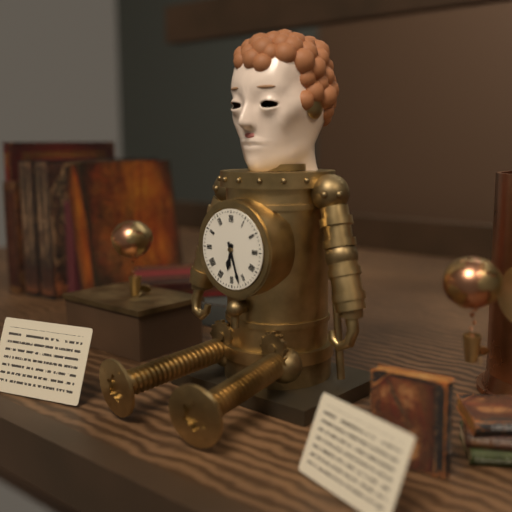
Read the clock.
6:27
